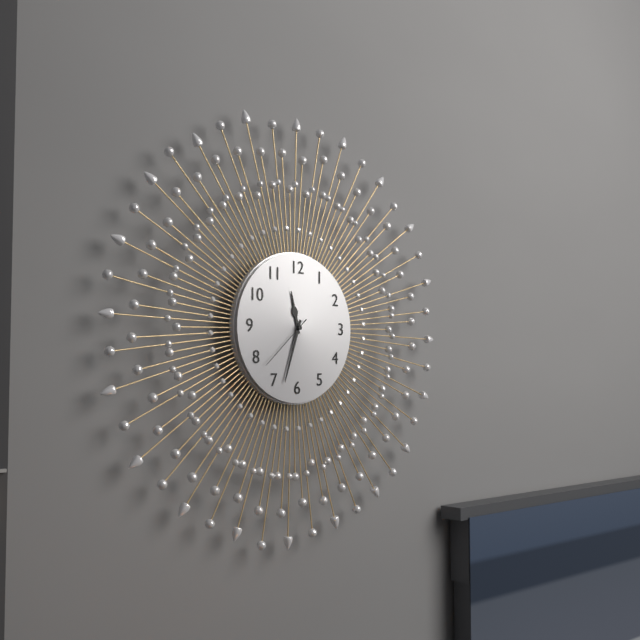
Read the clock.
11:33:38
